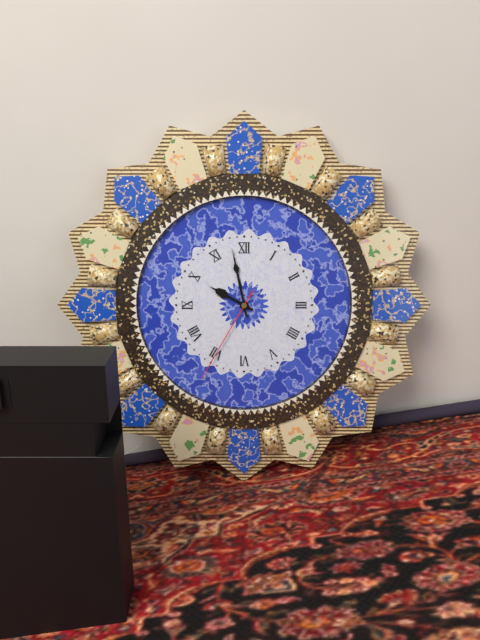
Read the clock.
9:58:35
